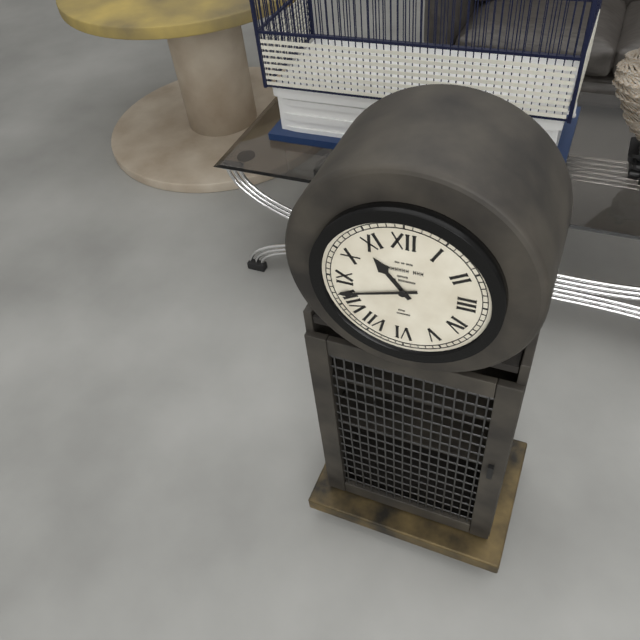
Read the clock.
10:42
